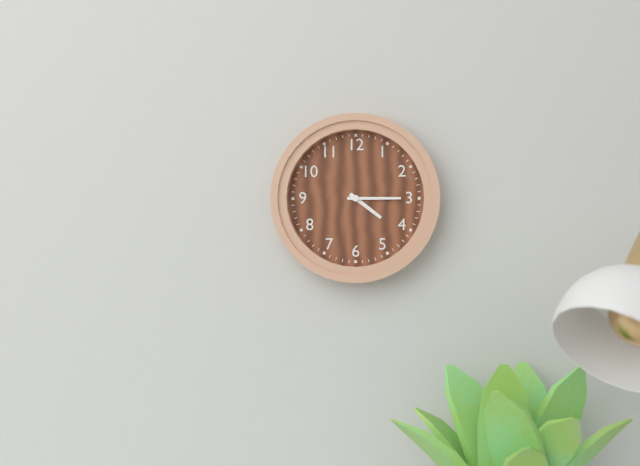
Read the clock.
4:15
